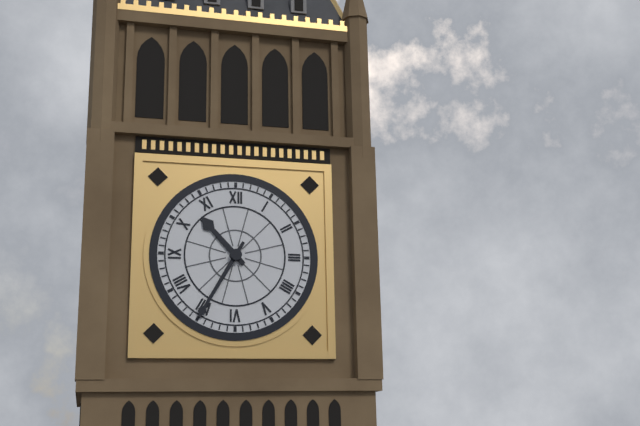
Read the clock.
10:35
